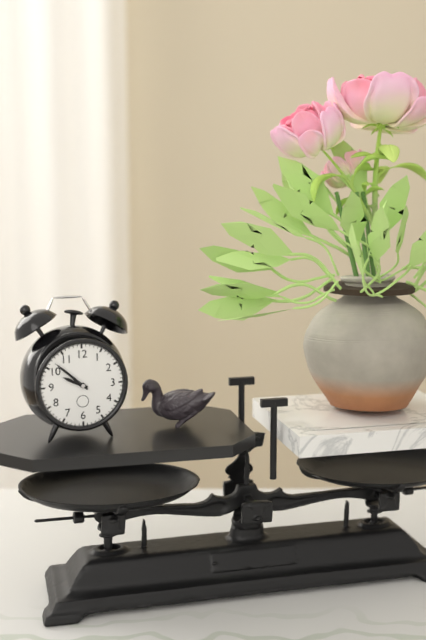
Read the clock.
9:52
